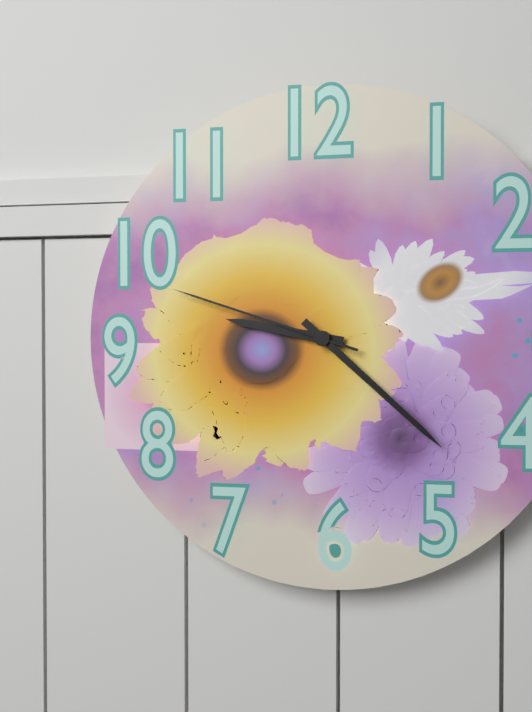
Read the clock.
9:22:48
